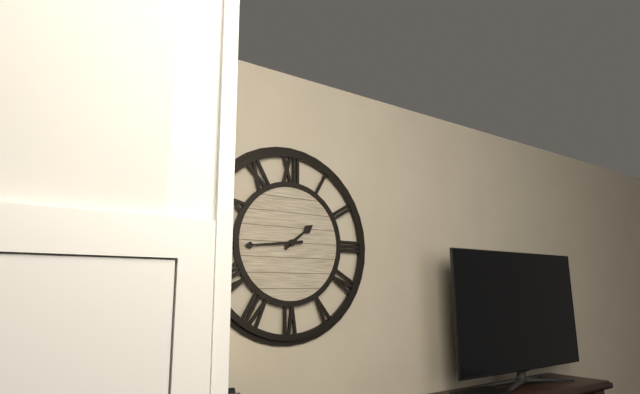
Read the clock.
1:44
